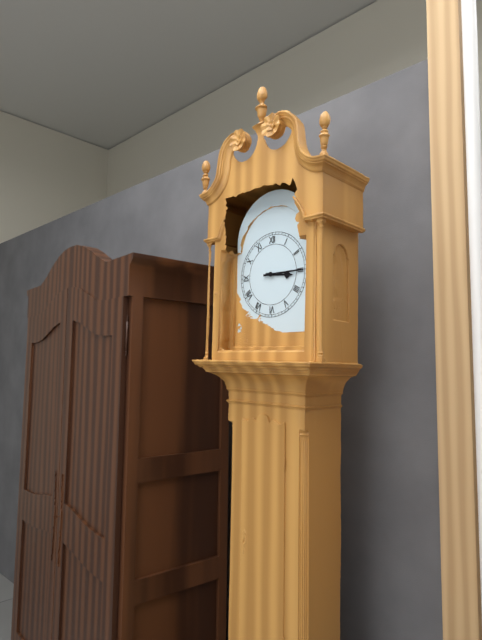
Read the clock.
3:15
